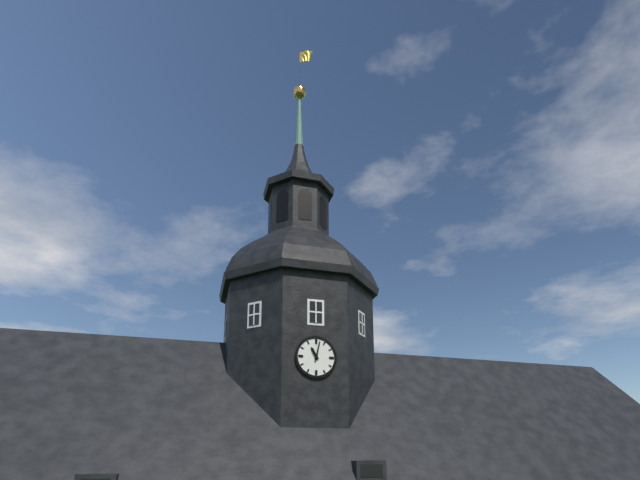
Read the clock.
11:02
